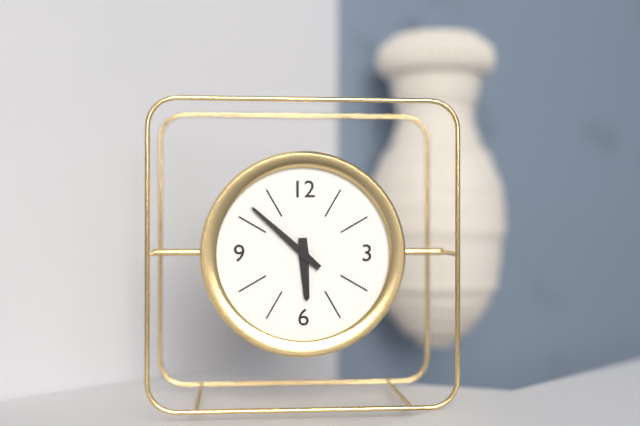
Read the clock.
5:52
